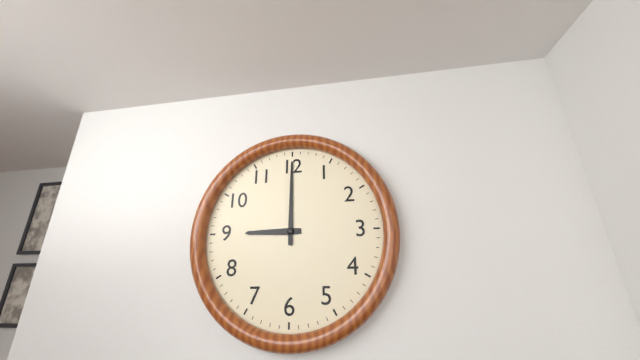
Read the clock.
9:00
